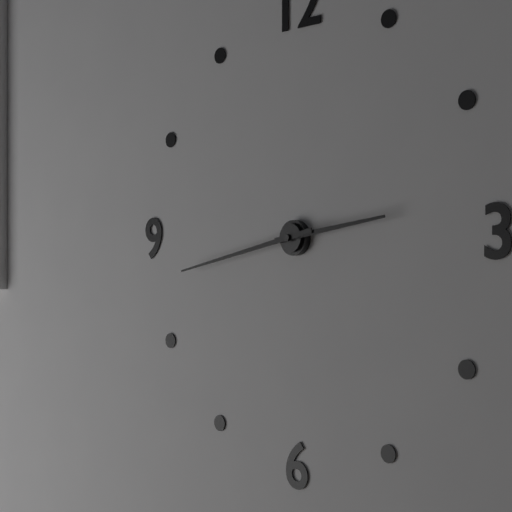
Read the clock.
2:43
